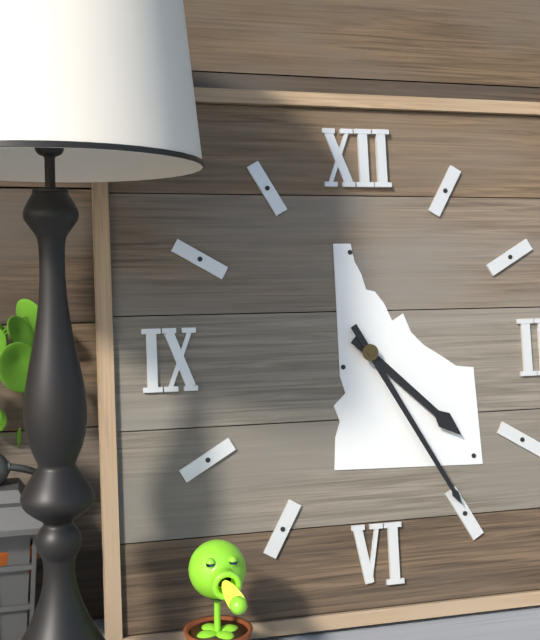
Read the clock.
4:25
